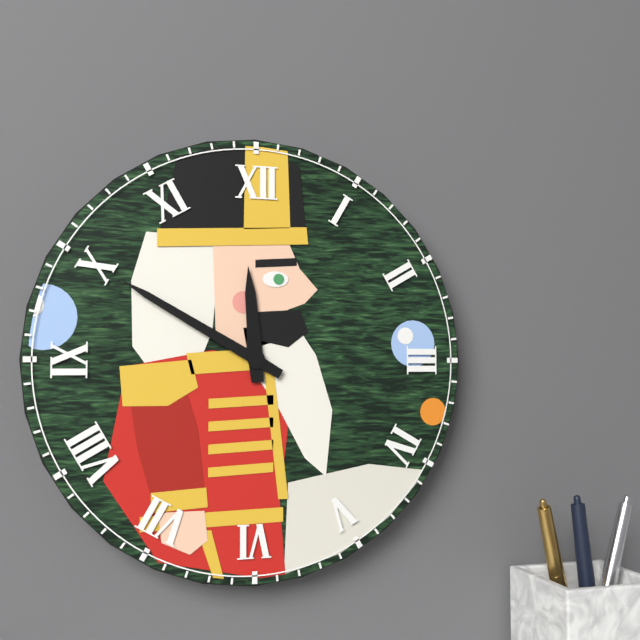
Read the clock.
11:50
